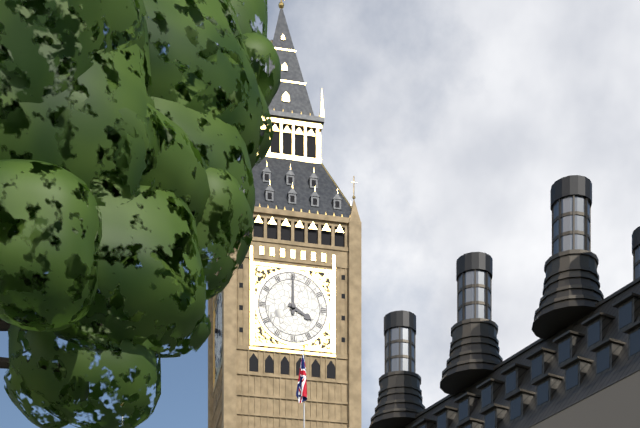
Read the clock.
4:00
